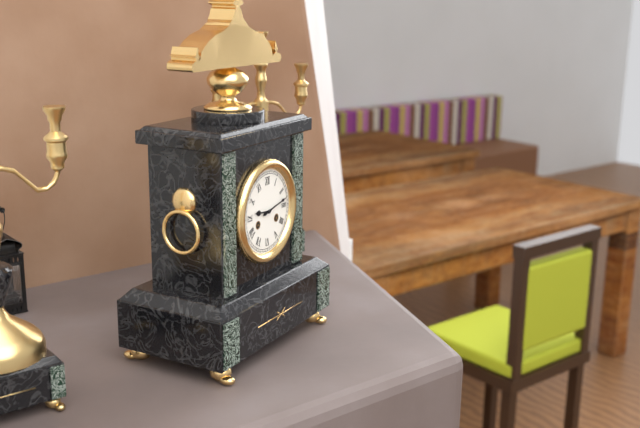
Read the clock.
9:13
